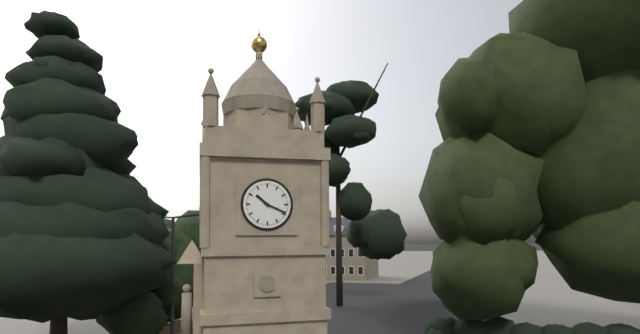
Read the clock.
10:19
